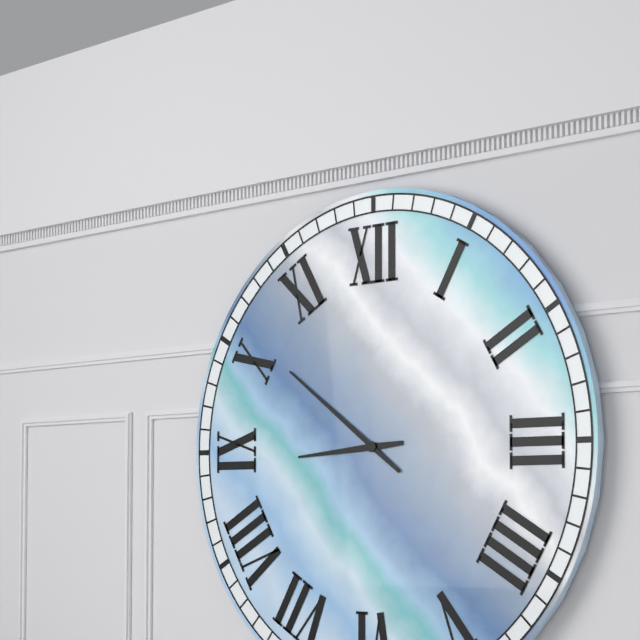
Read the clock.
8:51
